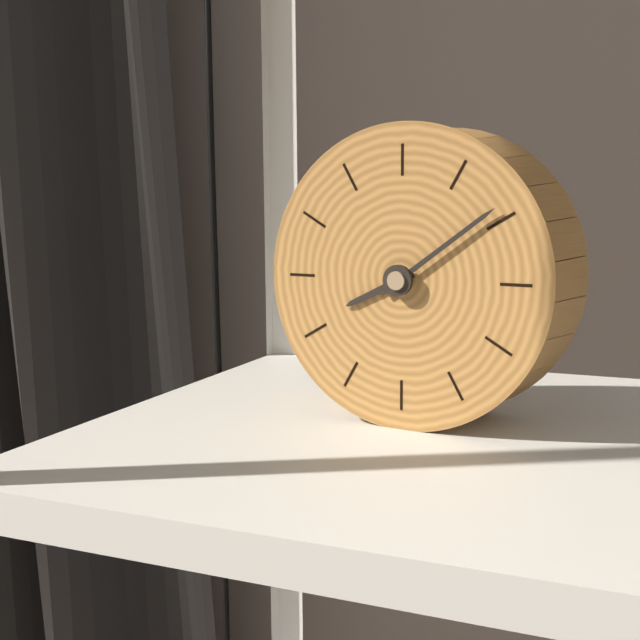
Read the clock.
8:09
